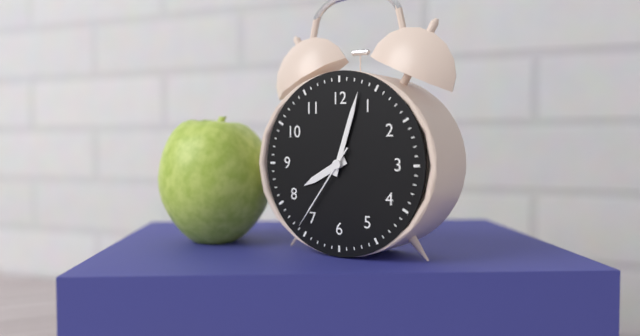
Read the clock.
8:03:36
